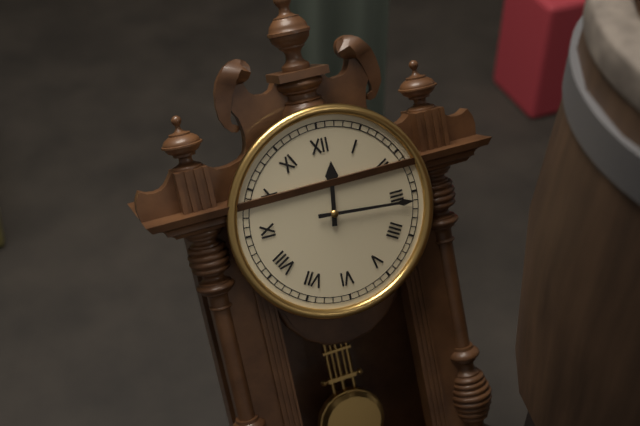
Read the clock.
12:16
